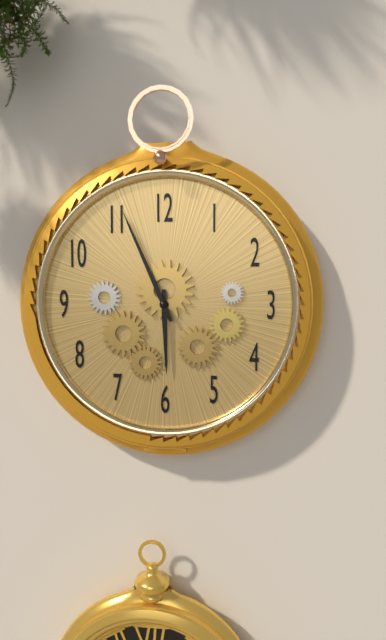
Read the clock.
5:56
